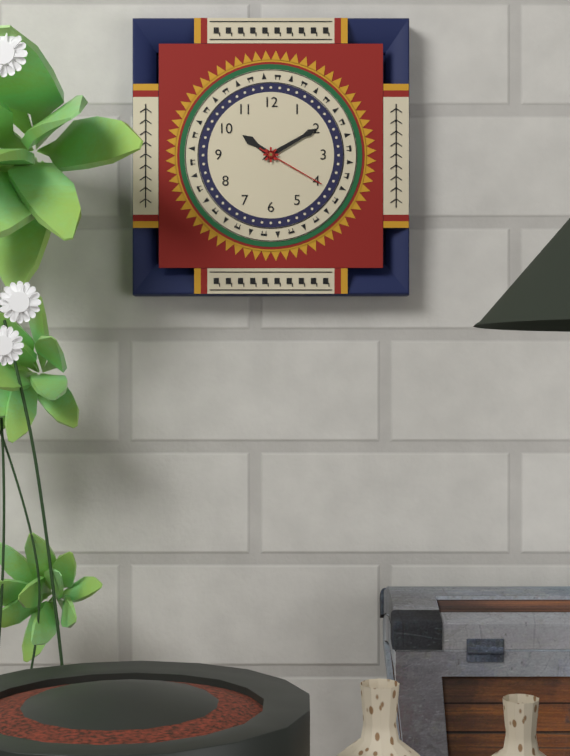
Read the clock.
10:10:20
